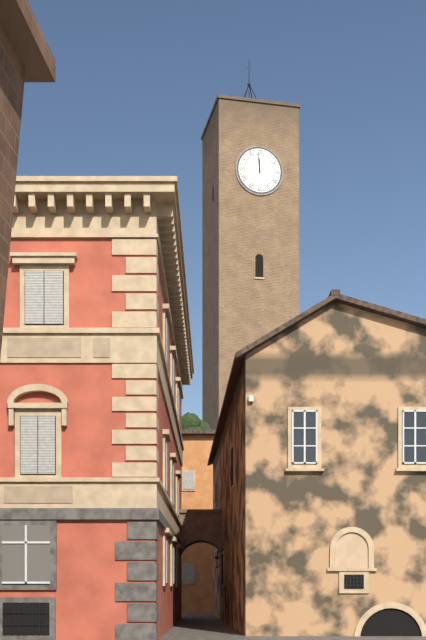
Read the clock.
11:59
